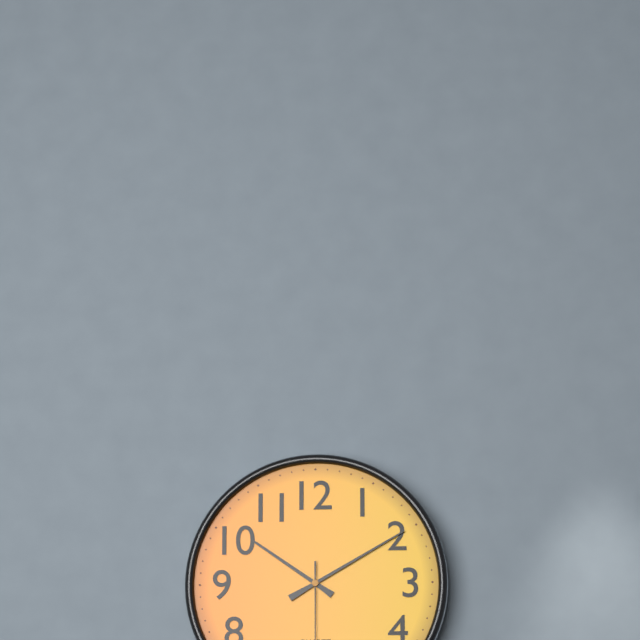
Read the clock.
10:10
